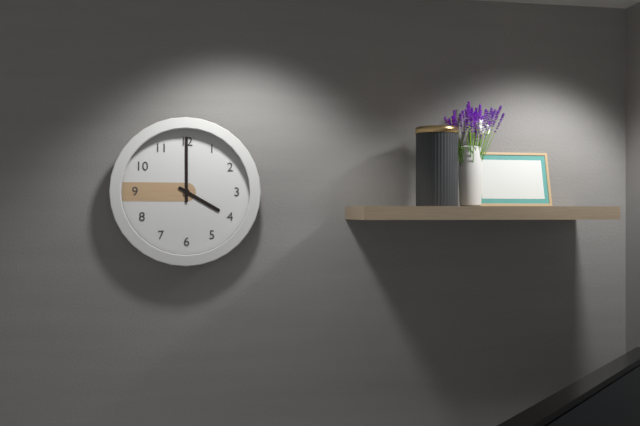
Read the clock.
4:00
